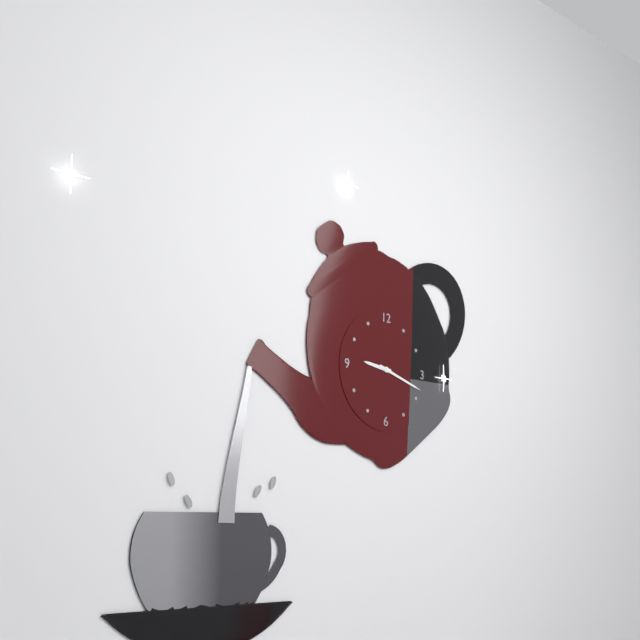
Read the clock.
9:18
